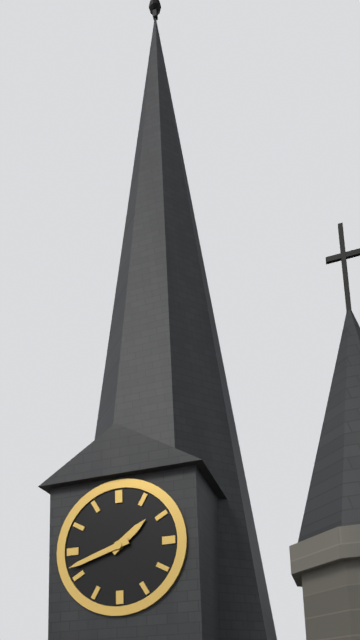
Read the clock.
1:42
